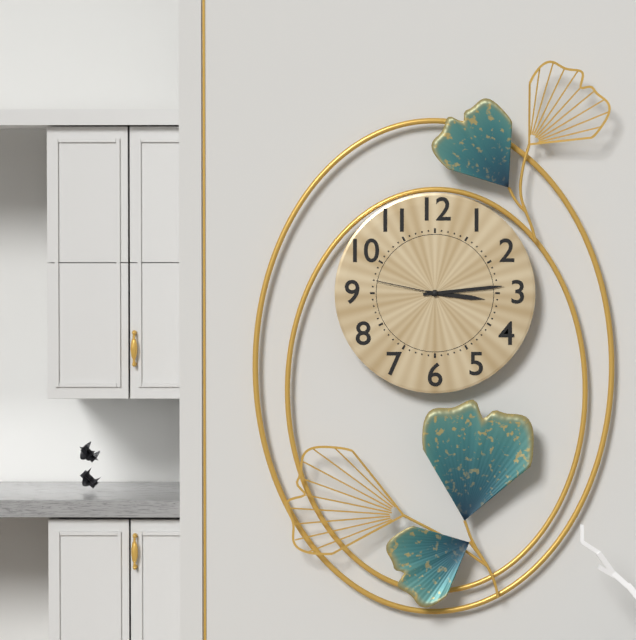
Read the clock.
3:14:47
